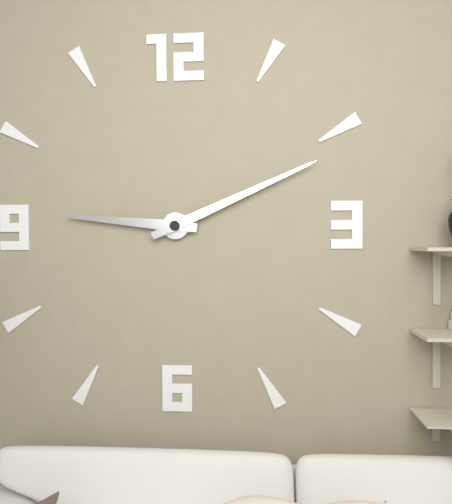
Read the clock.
9:11
